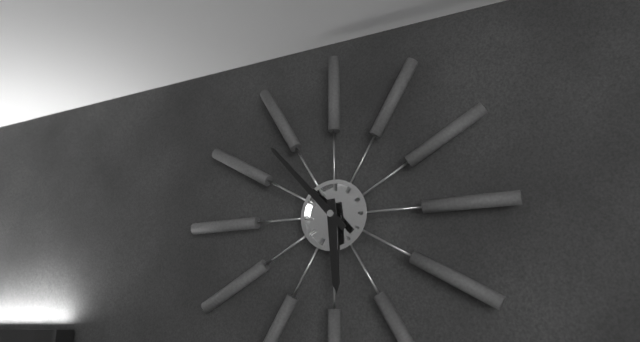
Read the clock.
5:53
